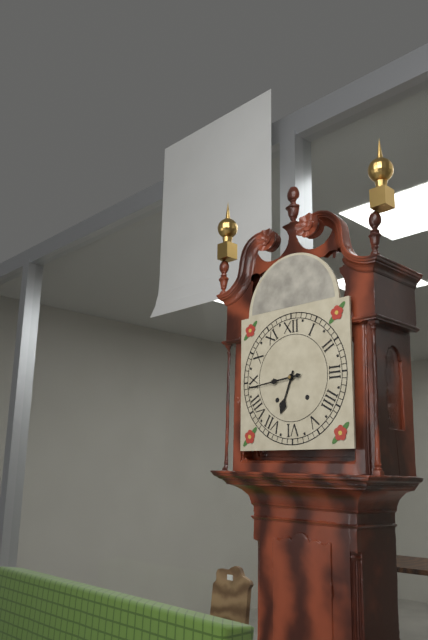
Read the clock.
6:44
